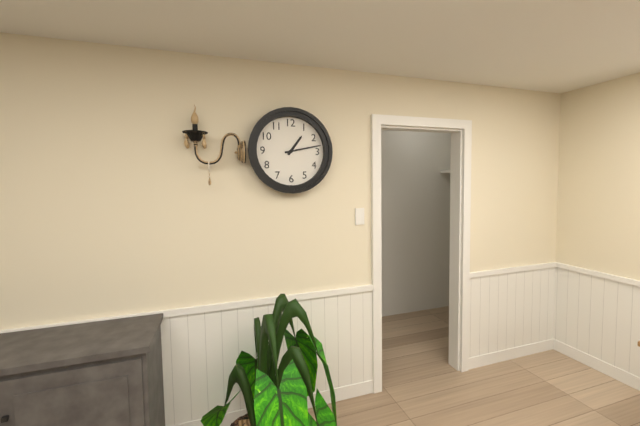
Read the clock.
1:13
